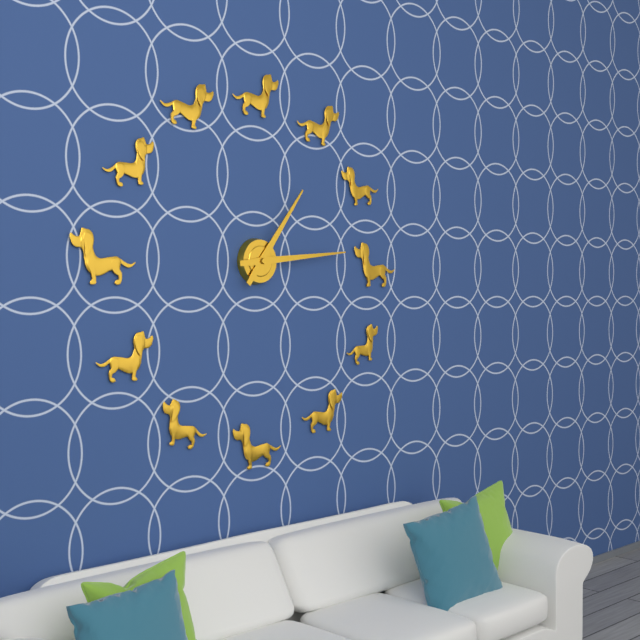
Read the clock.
1:14
